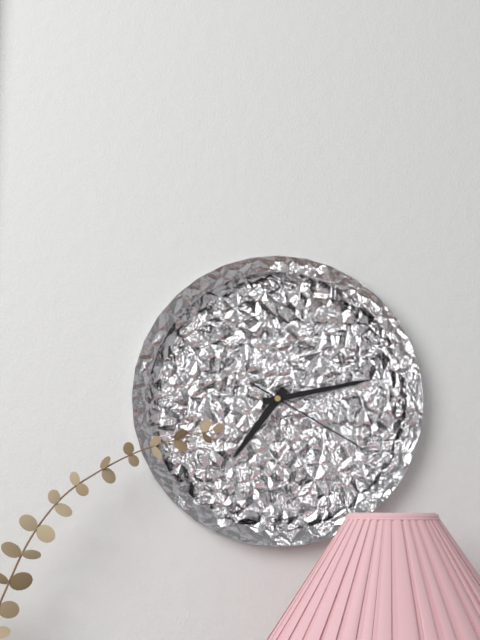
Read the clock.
7:13:20
